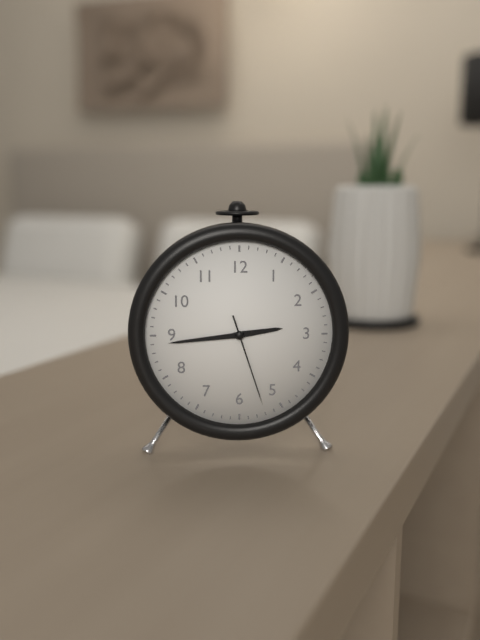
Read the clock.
2:44:27
